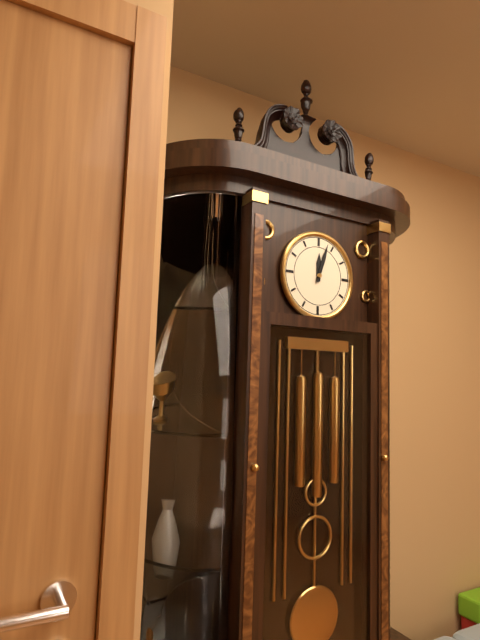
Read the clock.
12:03
